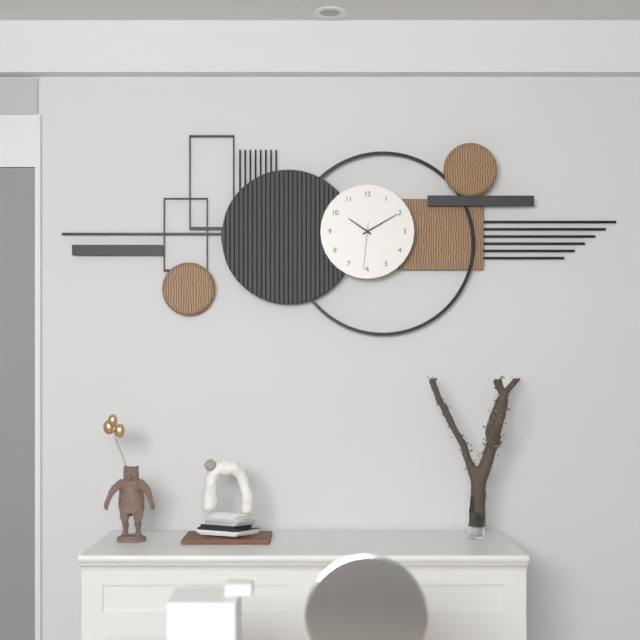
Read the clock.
10:10
